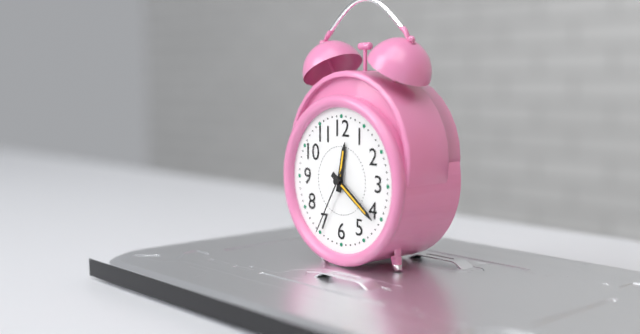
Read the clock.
12:21:35
